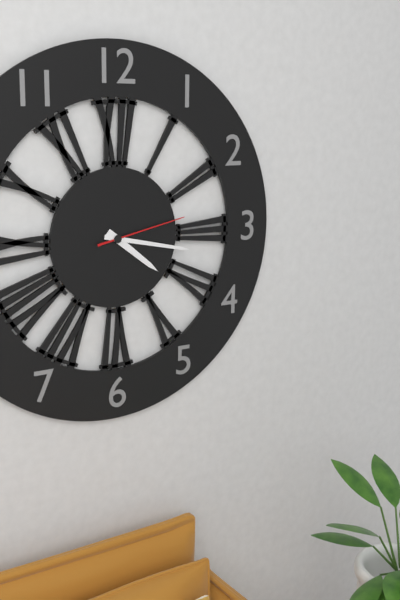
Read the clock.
4:17:13
